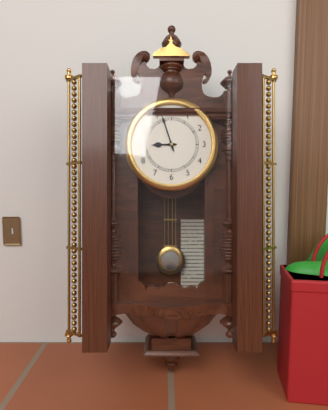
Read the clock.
8:57
